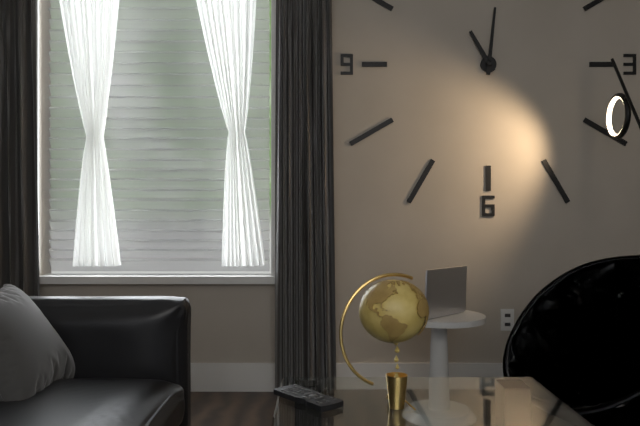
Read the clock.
11:01
